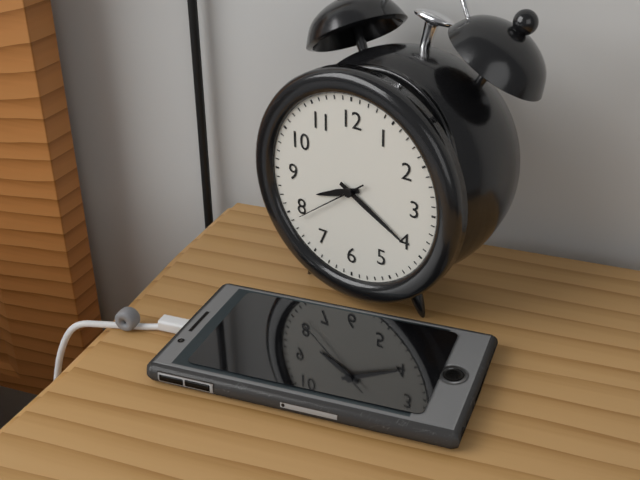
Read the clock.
8:20:39
